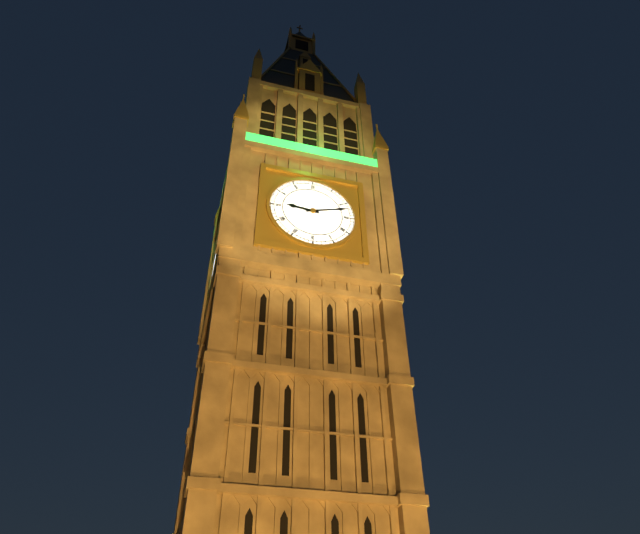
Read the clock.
9:12
